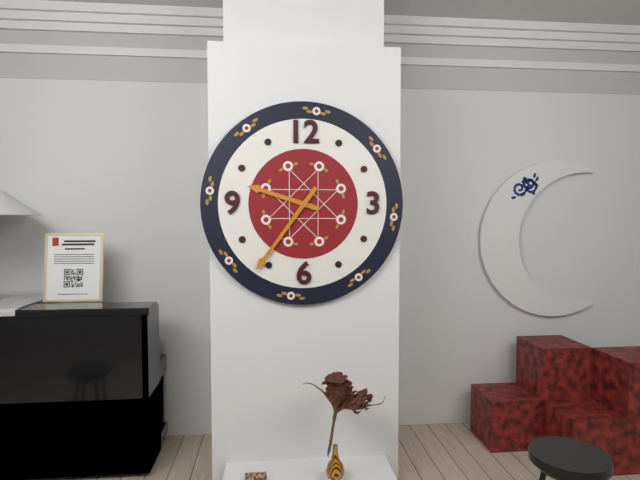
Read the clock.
9:36
